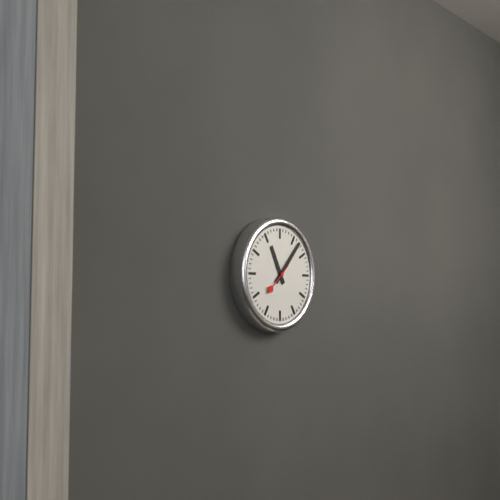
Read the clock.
11:07
